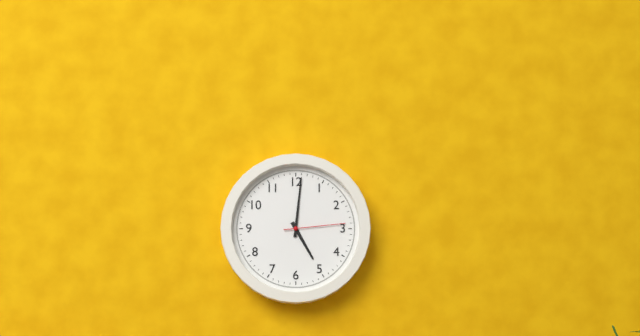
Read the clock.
5:01:14
